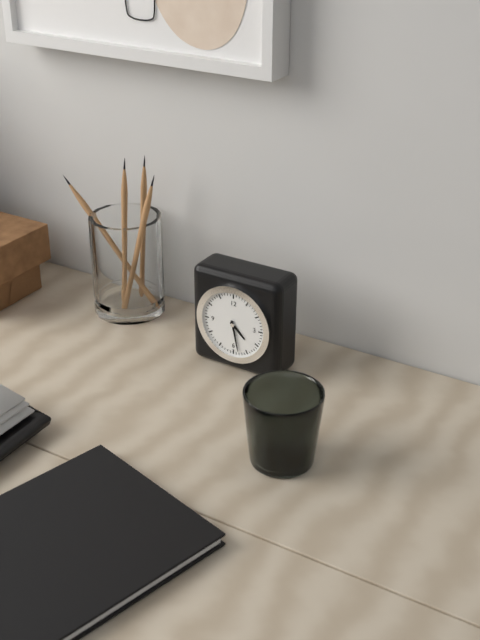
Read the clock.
4:28
